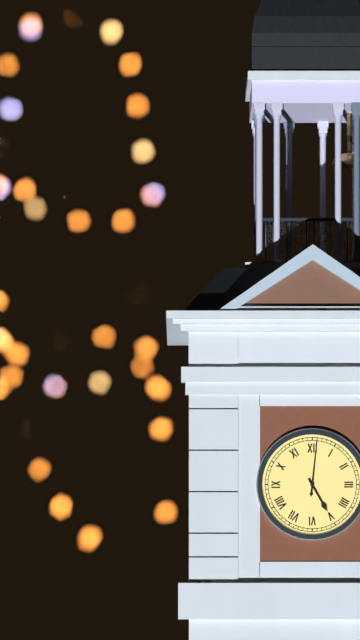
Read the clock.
5:01
